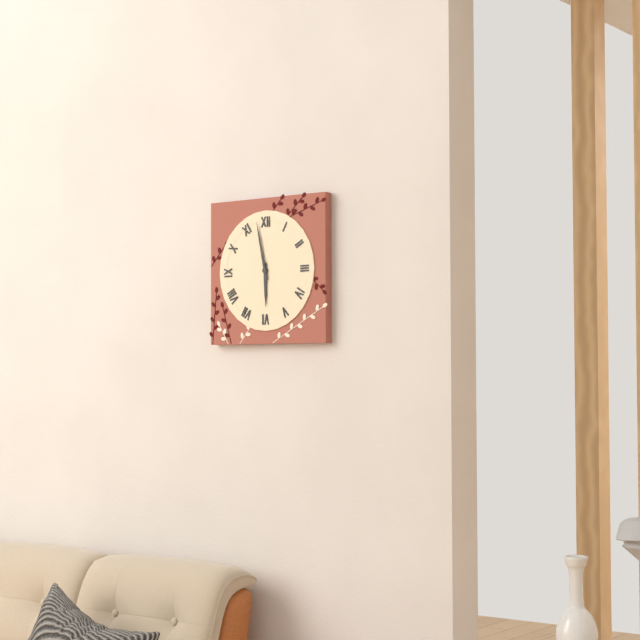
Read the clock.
5:58
